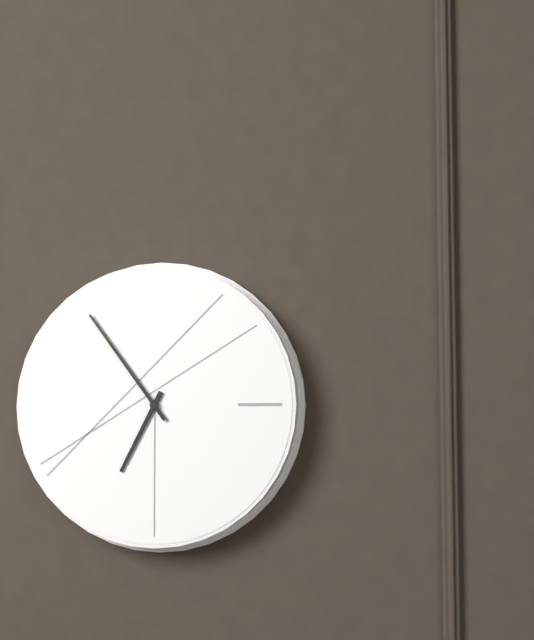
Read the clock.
6:54
